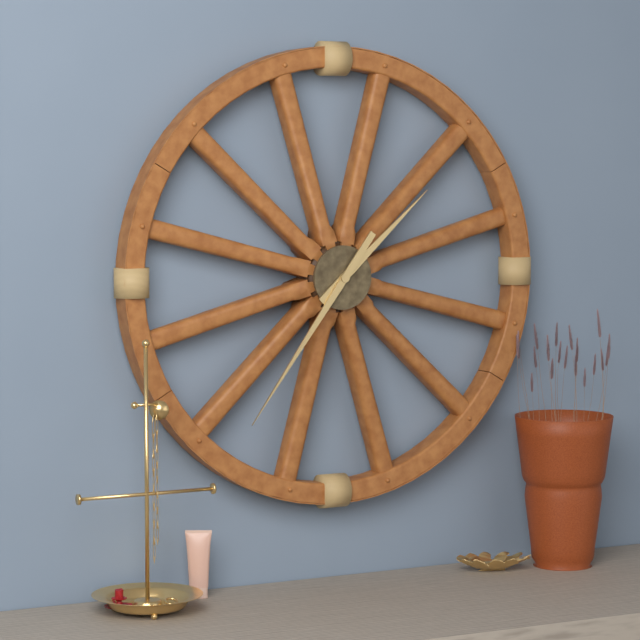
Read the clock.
1:36
